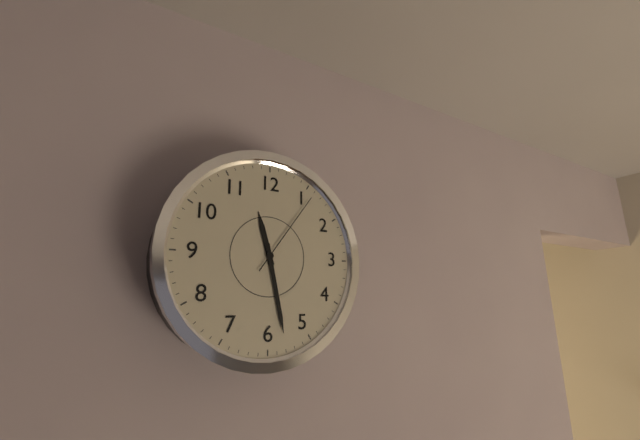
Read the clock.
11:28:06
